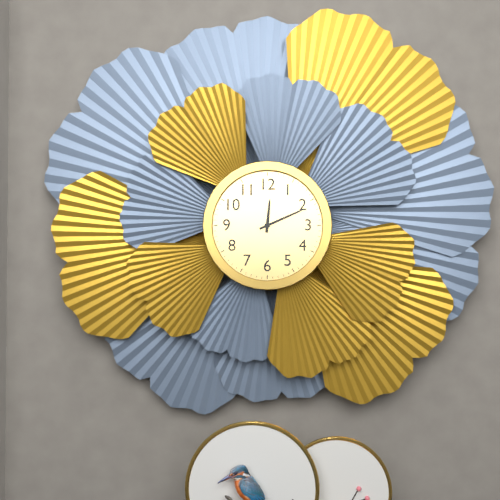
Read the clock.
12:11
